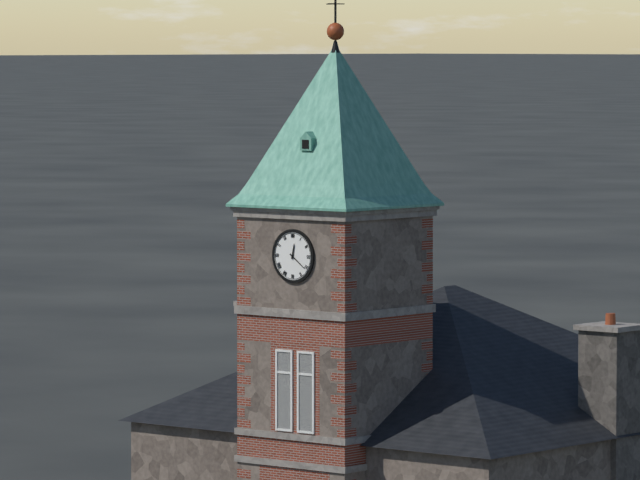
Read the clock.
12:21
